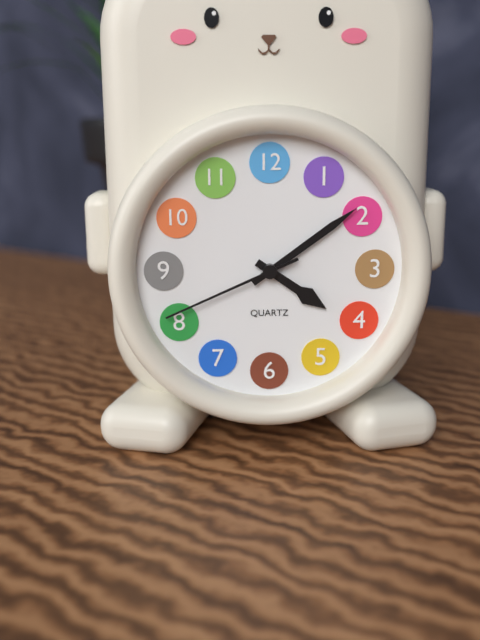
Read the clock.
4:09:41
